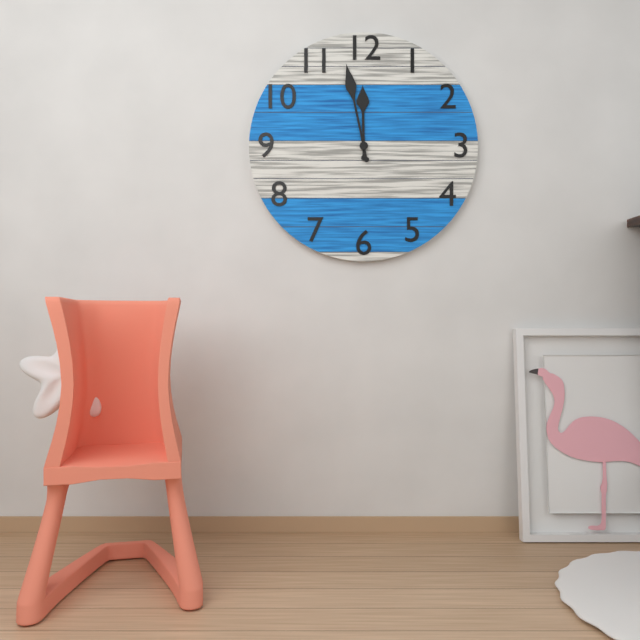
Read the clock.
11:58
